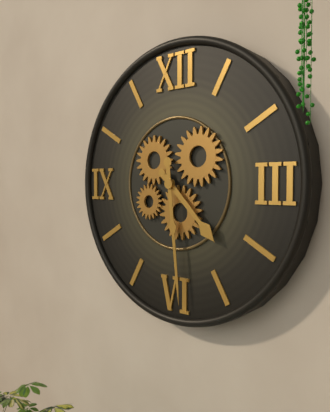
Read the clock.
4:29
